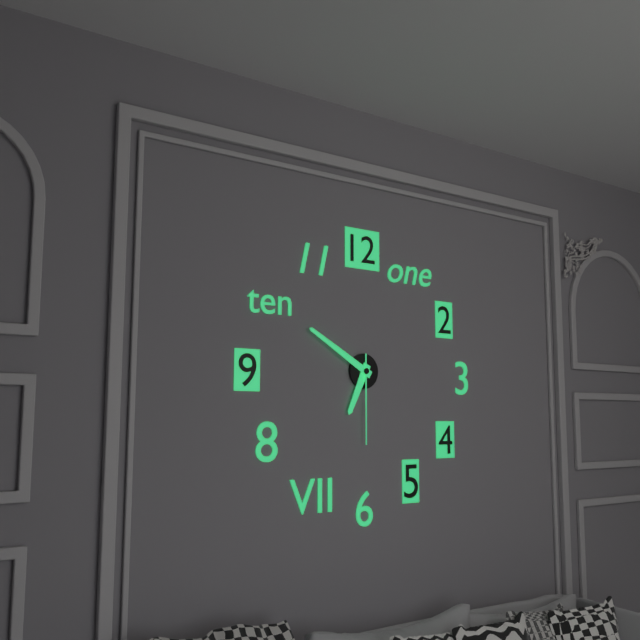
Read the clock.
6:50:30
